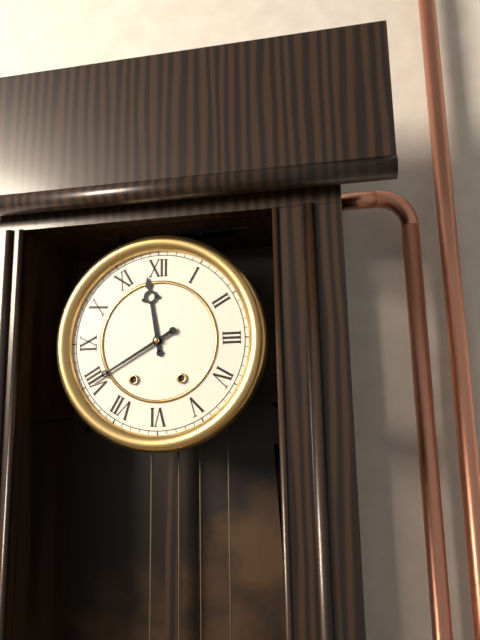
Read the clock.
11:40
